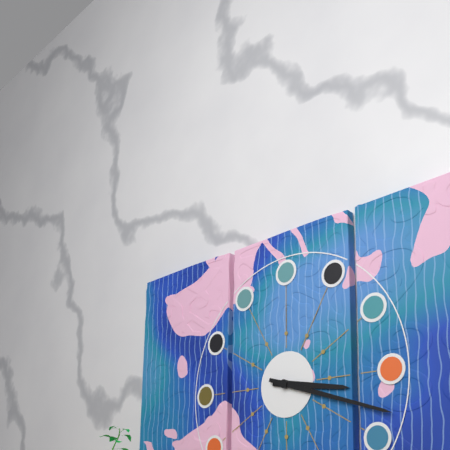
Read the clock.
3:18
